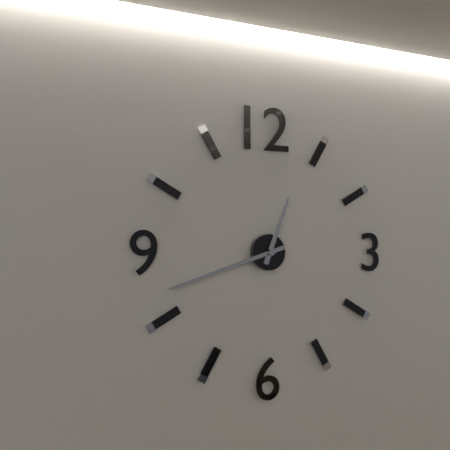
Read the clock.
12:42
